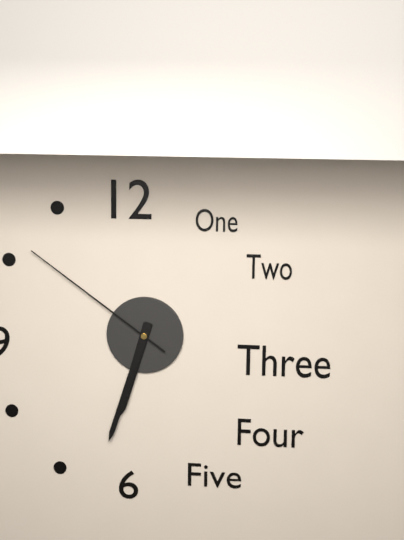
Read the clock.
6:33:51
